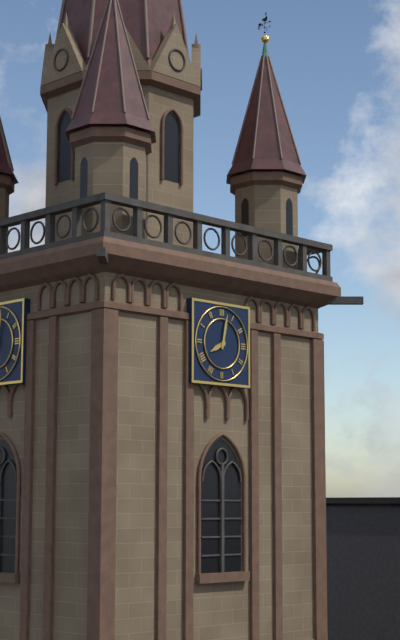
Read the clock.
8:02
